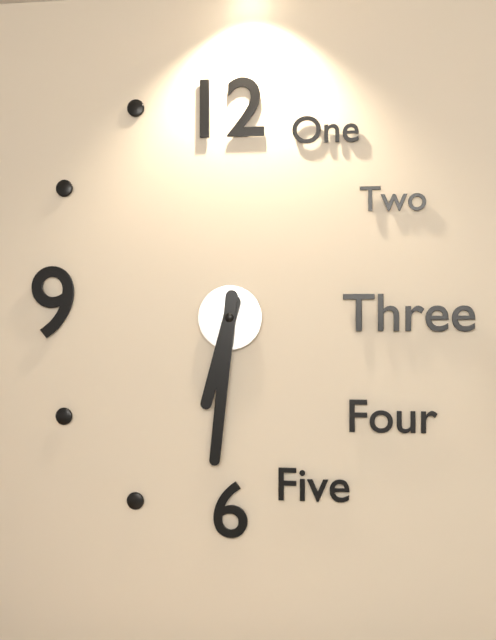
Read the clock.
6:31
